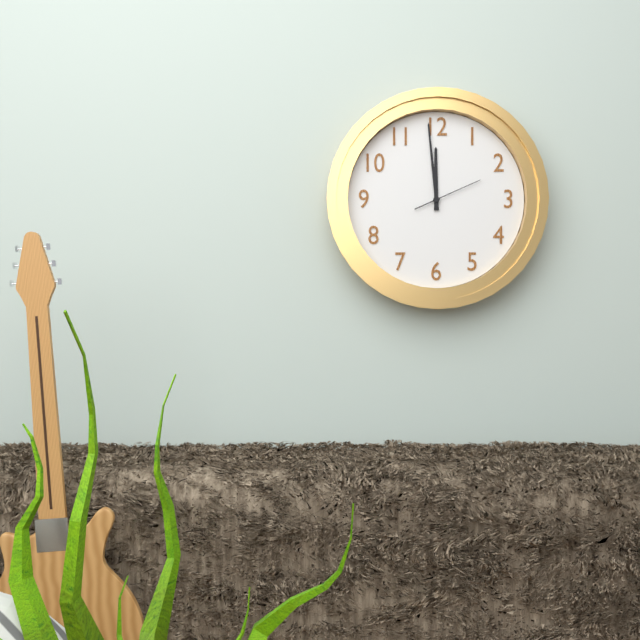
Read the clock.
11:59:11
